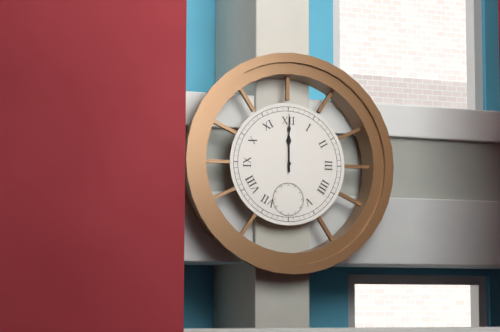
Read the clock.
12:00
